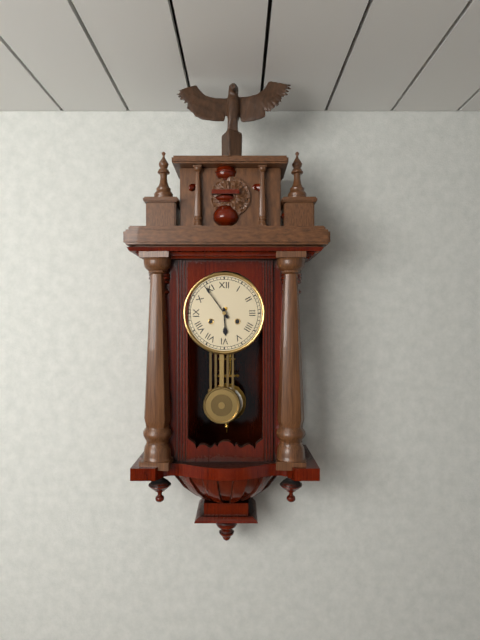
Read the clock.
5:54
